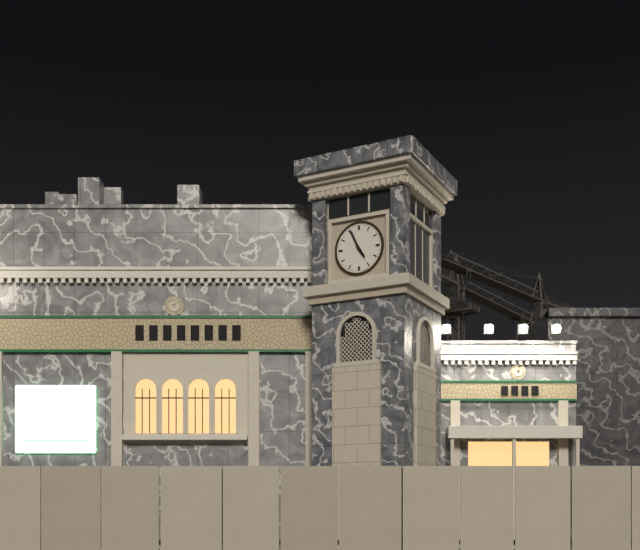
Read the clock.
4:56
